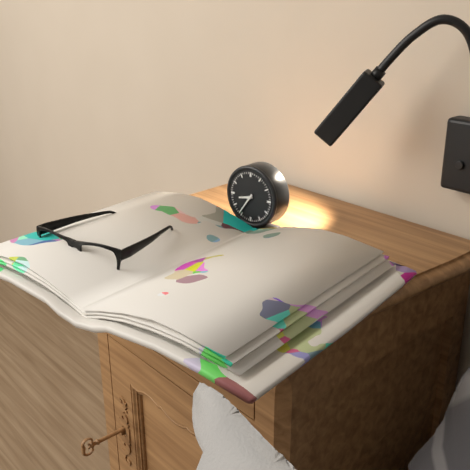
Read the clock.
8:36
